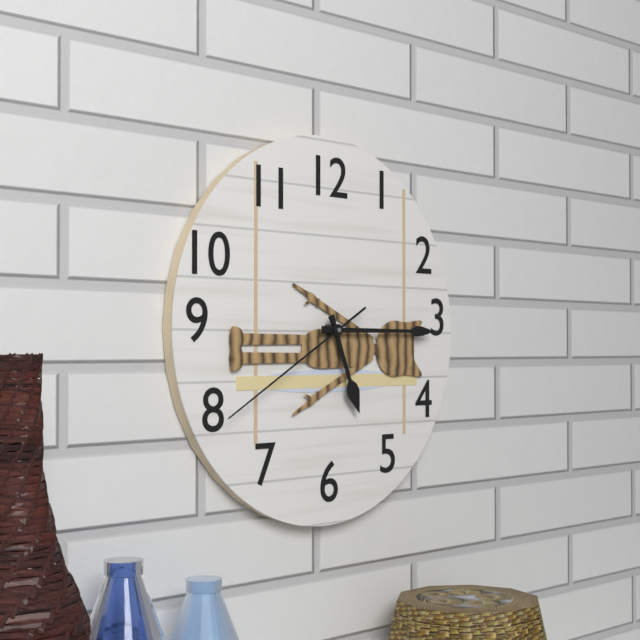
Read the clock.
5:15:40
